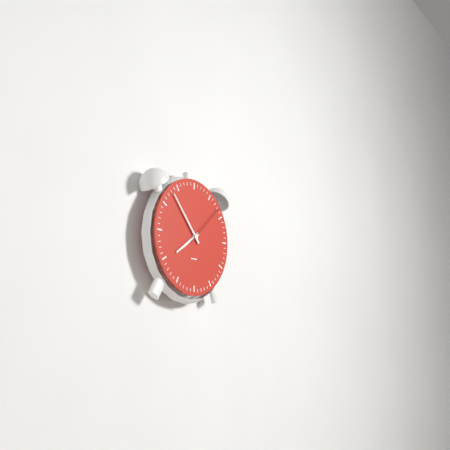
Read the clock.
7:53
